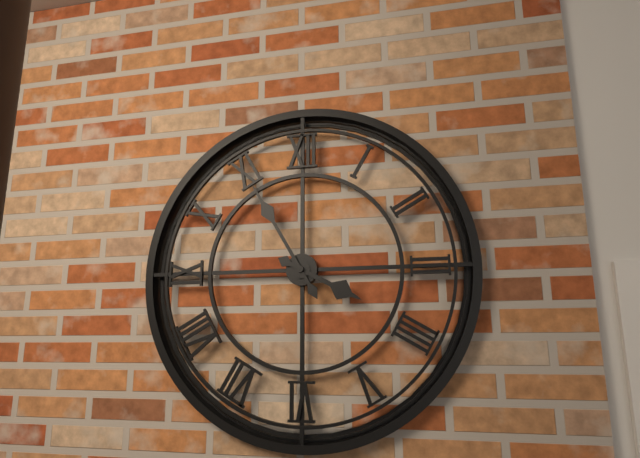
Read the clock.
3:55
